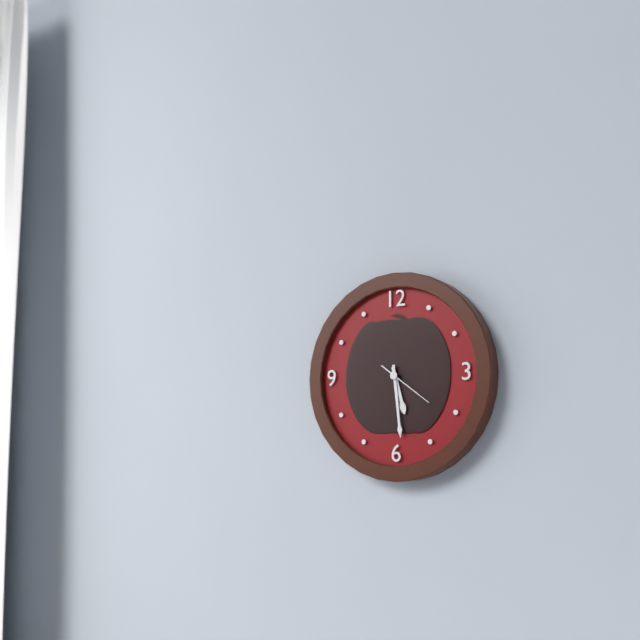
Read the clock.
5:29:21
